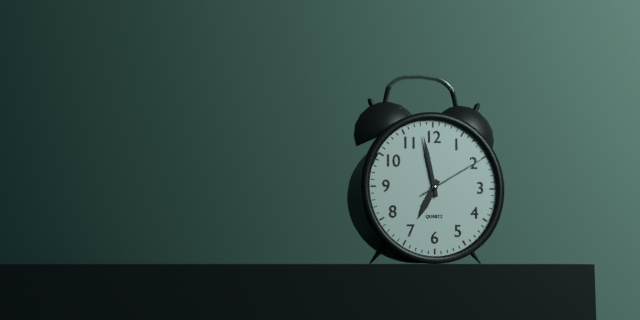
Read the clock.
6:58:10
